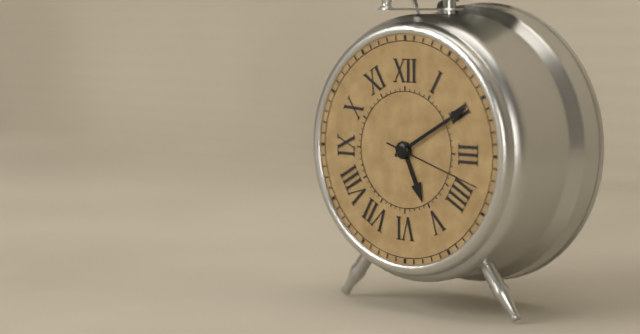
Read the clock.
5:10:18
